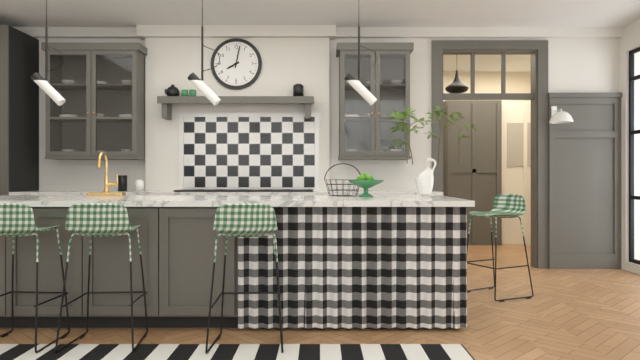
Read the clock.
8:02
